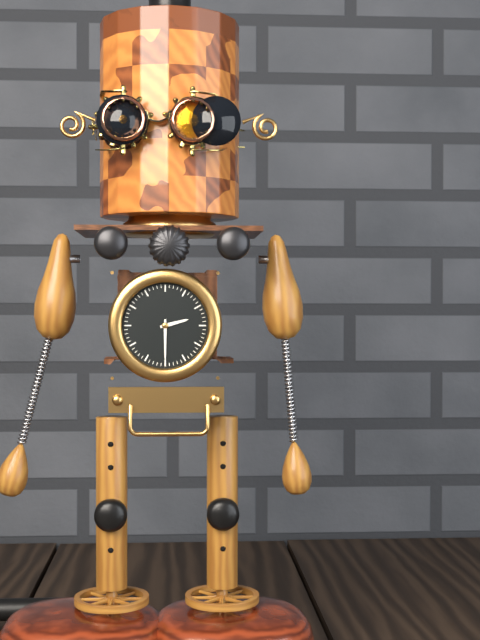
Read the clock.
2:30
